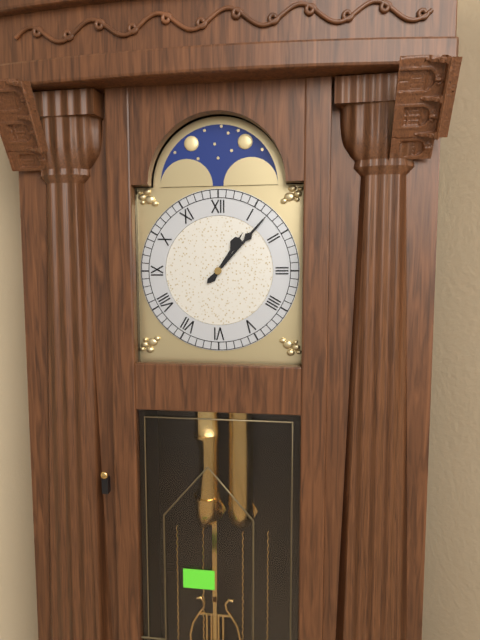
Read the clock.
1:07
